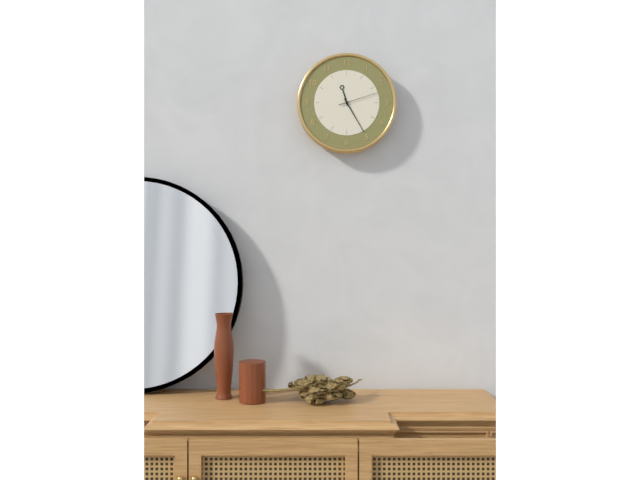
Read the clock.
11:25
